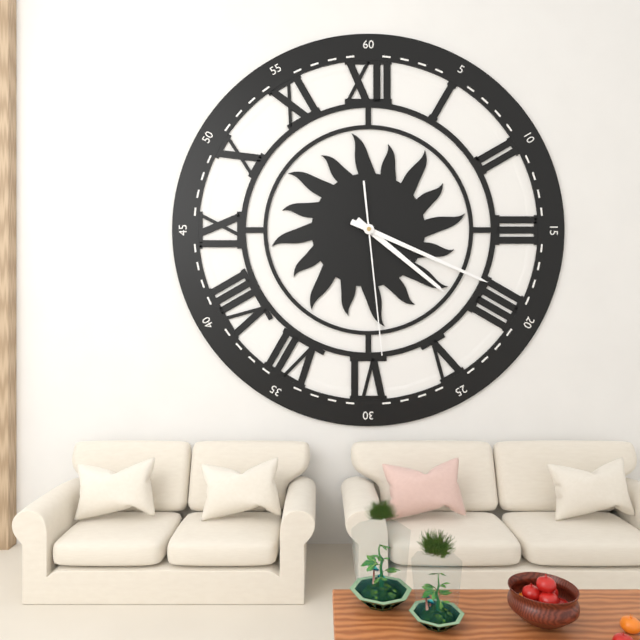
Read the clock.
4:19:29
